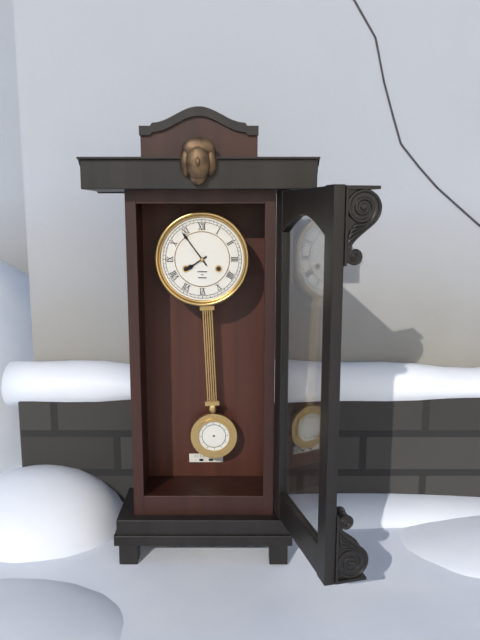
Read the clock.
7:54
